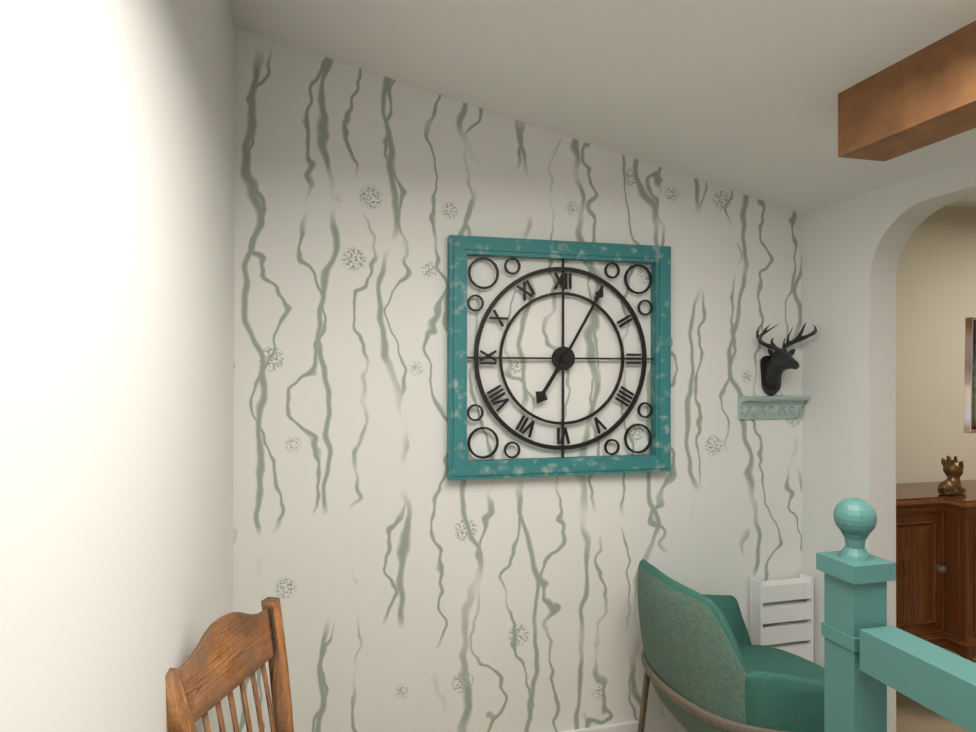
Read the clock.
7:05
